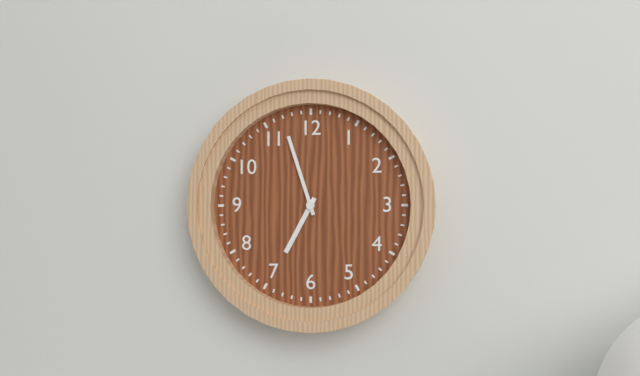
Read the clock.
6:57
